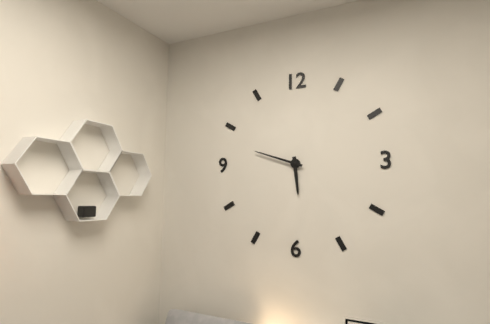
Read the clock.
5:48
